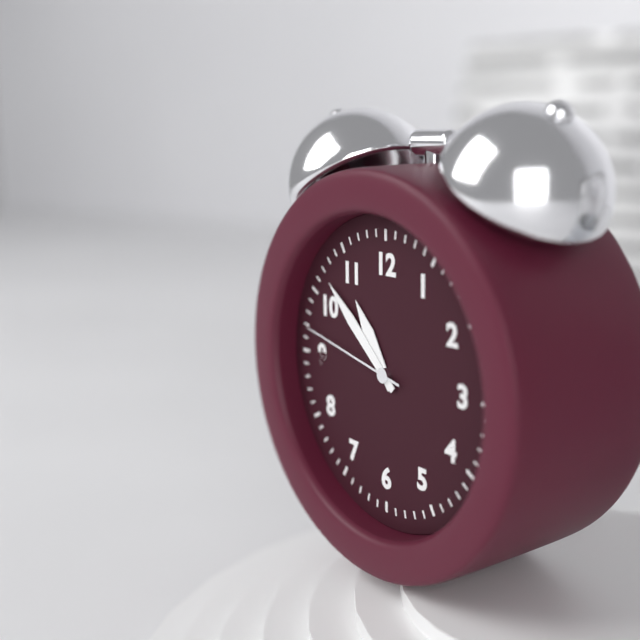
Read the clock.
10:52:47
